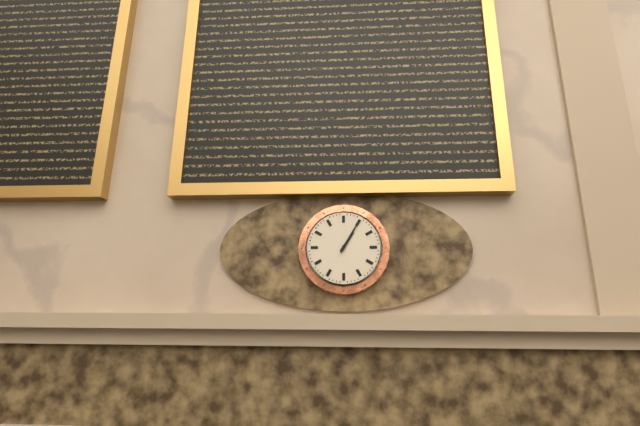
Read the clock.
1:05
